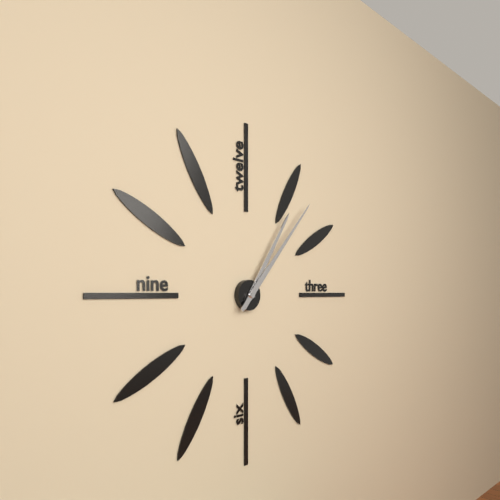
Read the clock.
1:07
